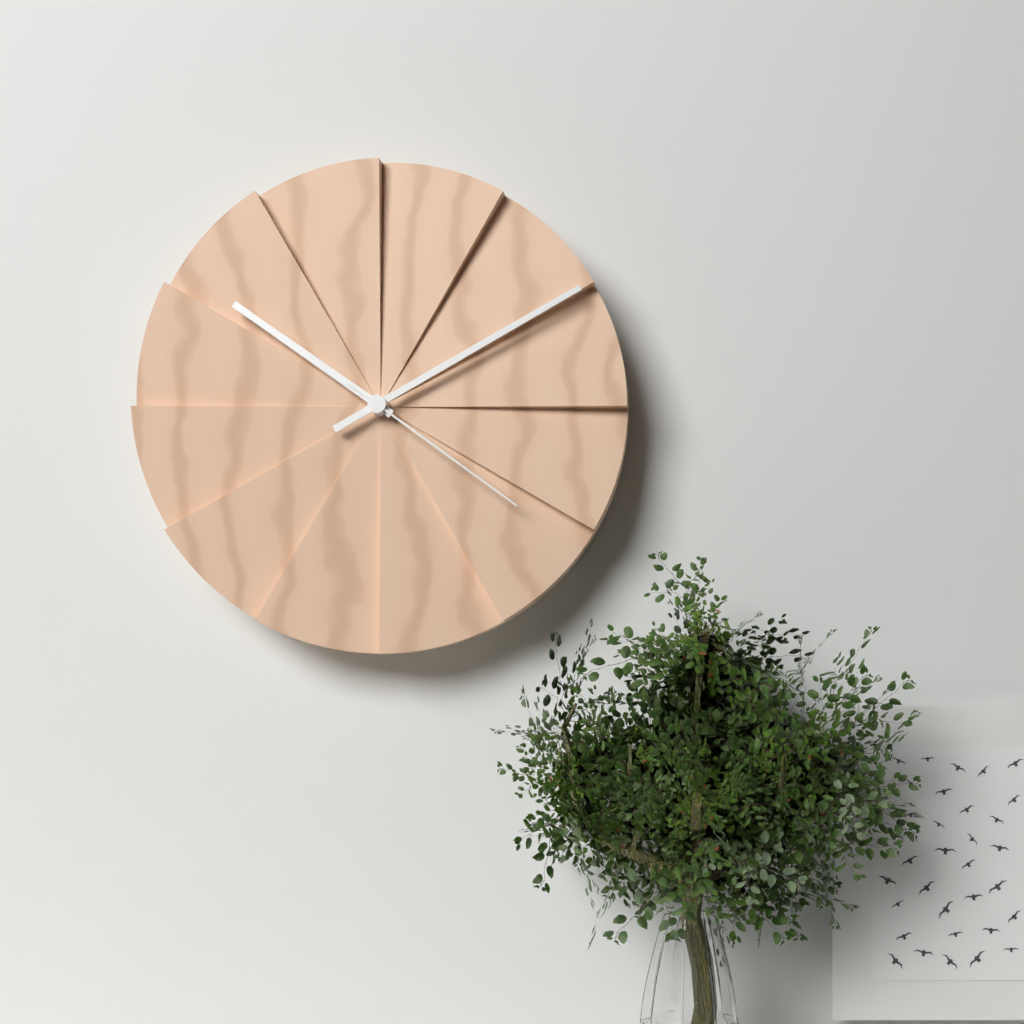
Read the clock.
10:10:21
